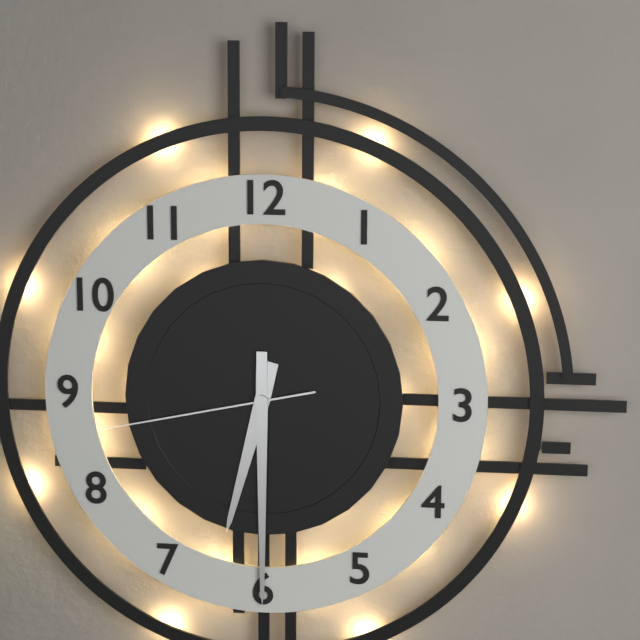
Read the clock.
6:30:43
